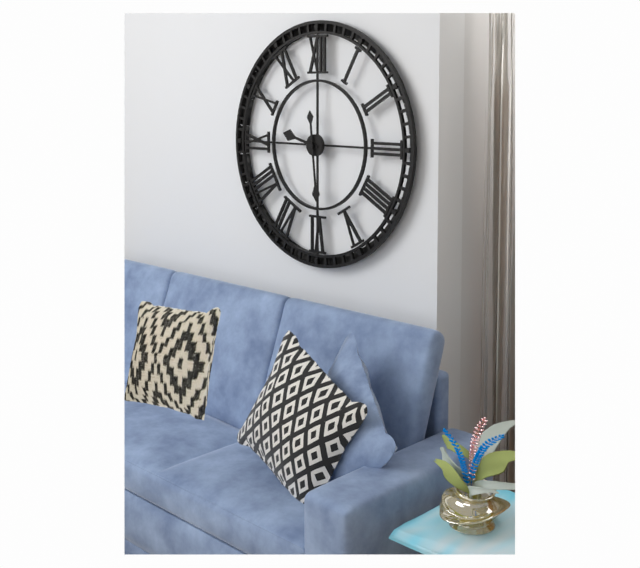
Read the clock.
9:29
